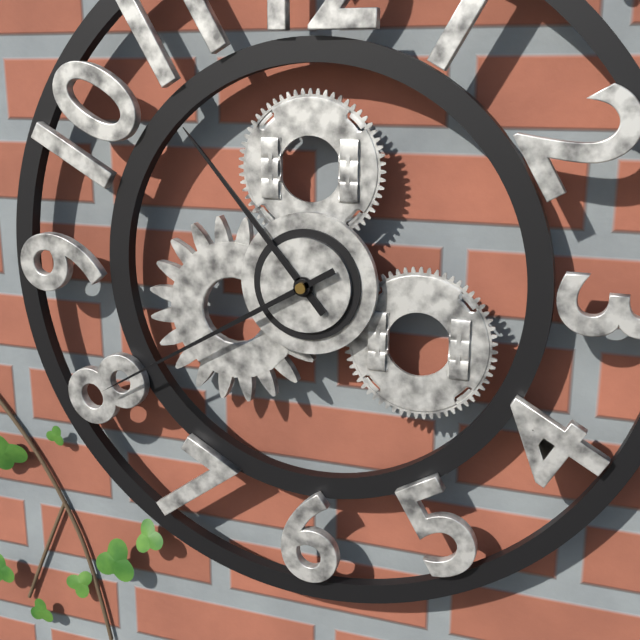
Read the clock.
10:40
